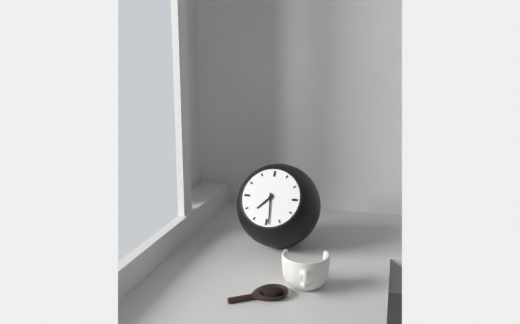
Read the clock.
7:29
